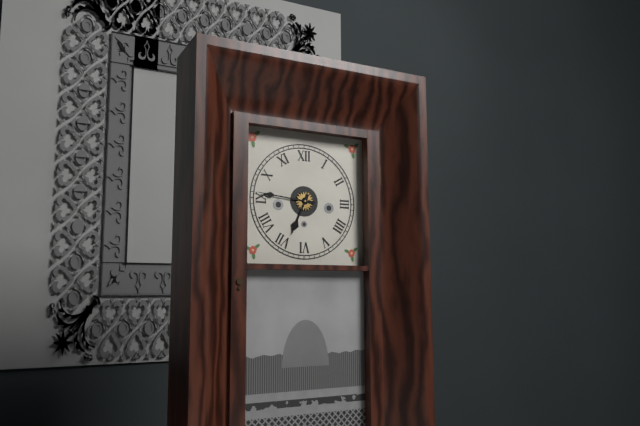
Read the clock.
6:46
